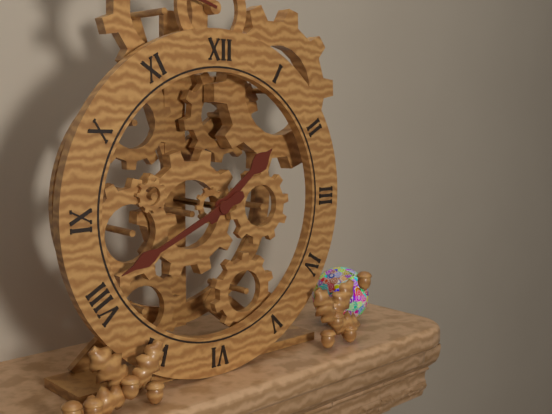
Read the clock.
1:41
